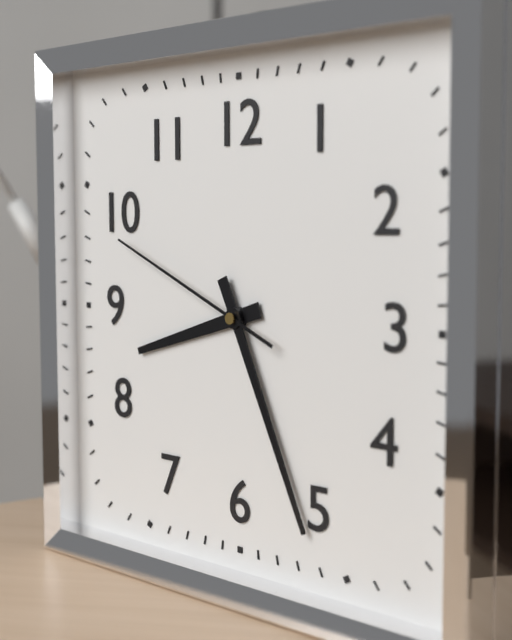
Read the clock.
8:26:49
